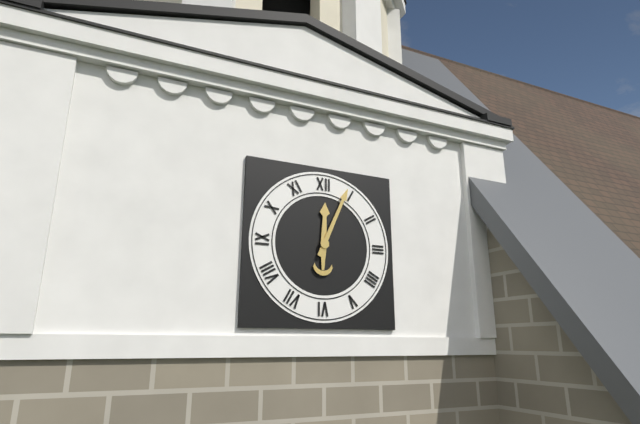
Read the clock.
12:04
